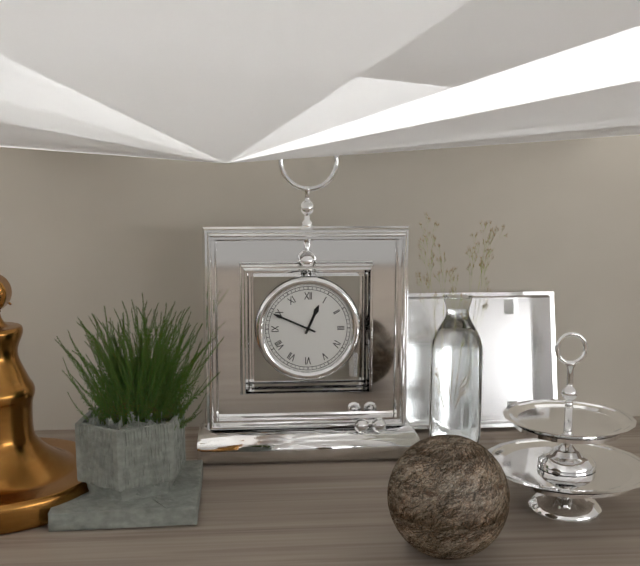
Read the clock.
12:49
